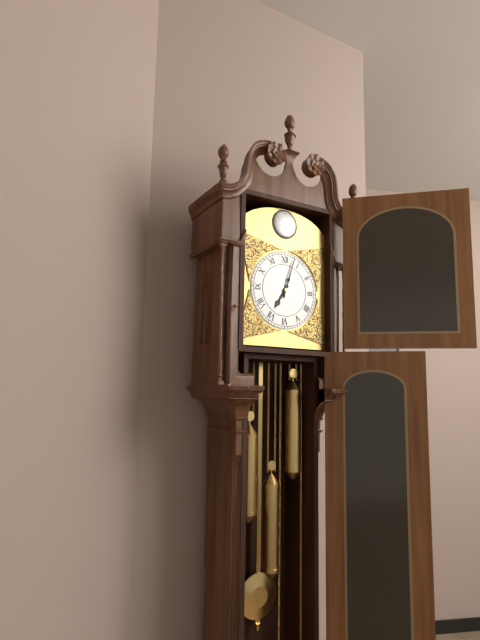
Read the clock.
7:03
